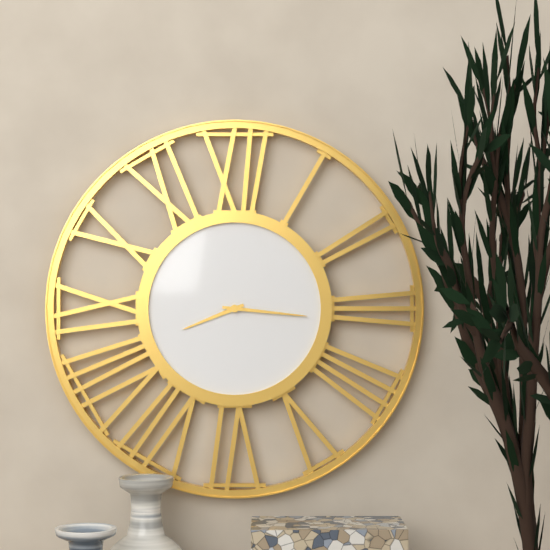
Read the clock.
8:16
